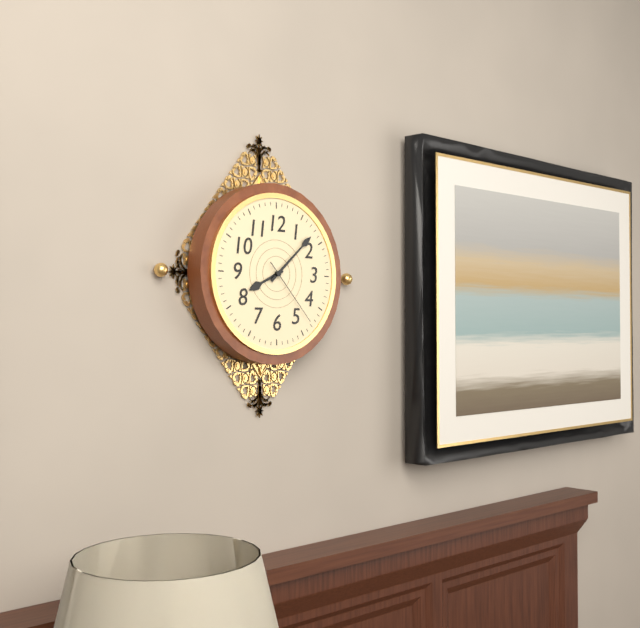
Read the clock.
8:08:23
